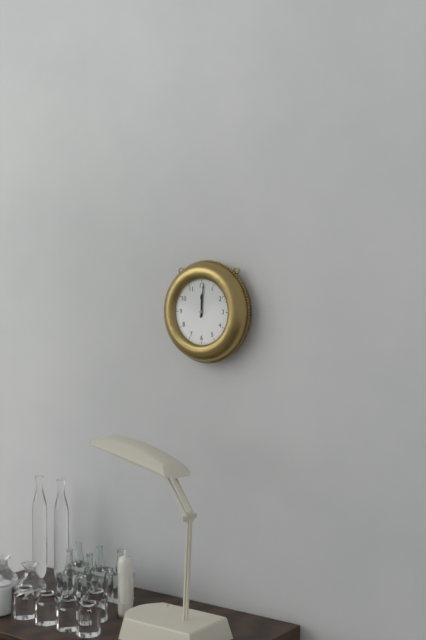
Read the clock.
12:01
